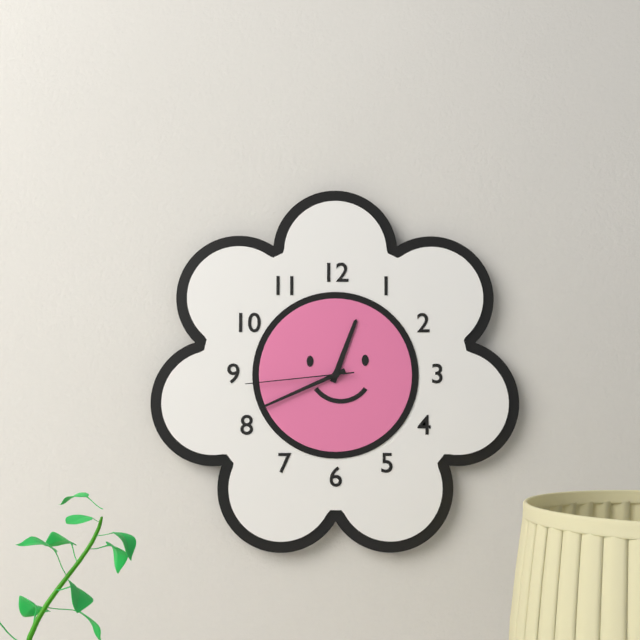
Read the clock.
12:41:44
